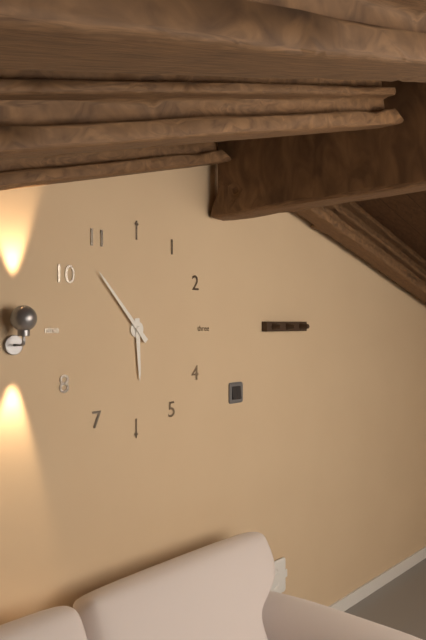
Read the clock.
5:53
